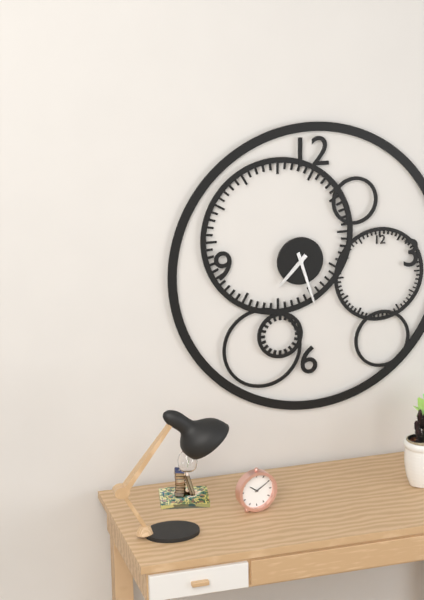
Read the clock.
7:27
